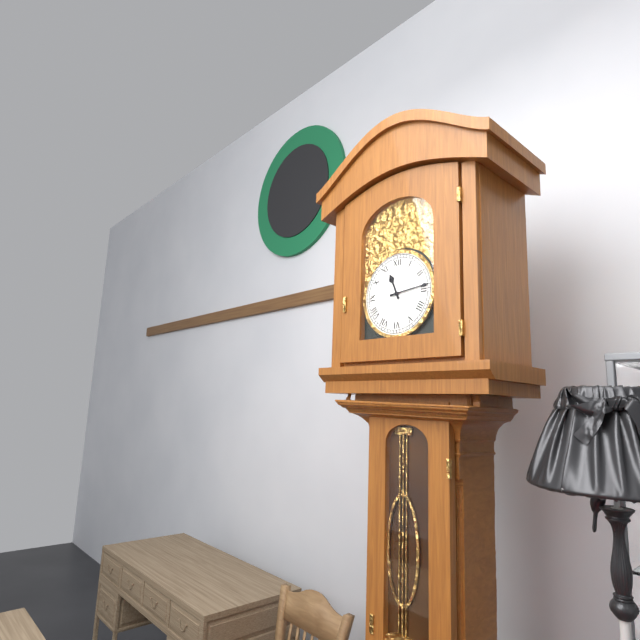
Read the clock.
11:14
